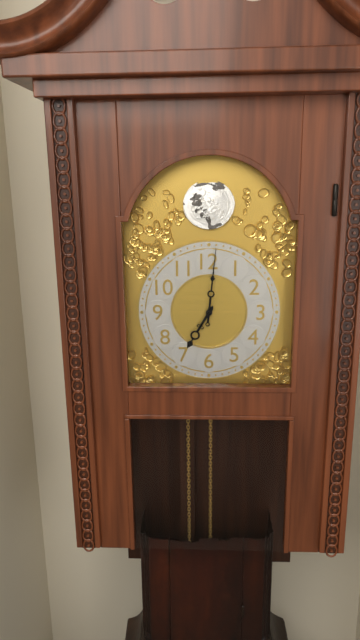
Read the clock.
7:01
